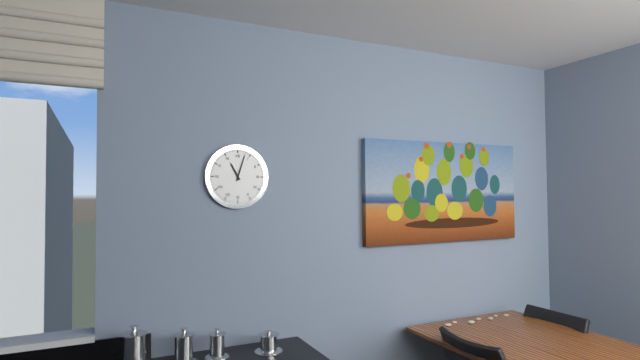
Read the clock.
11:03
